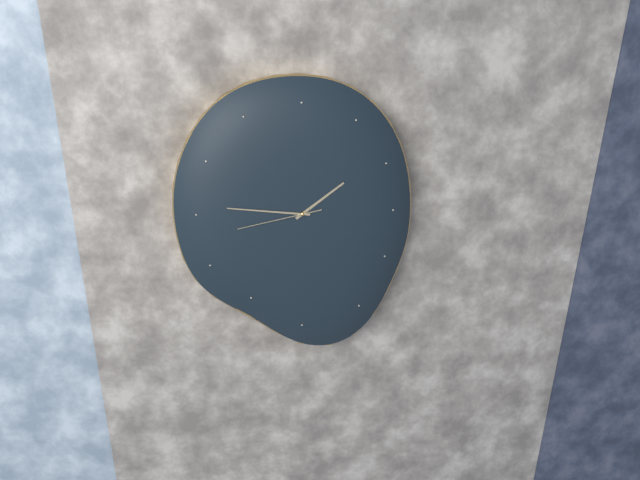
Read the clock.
1:46:43
